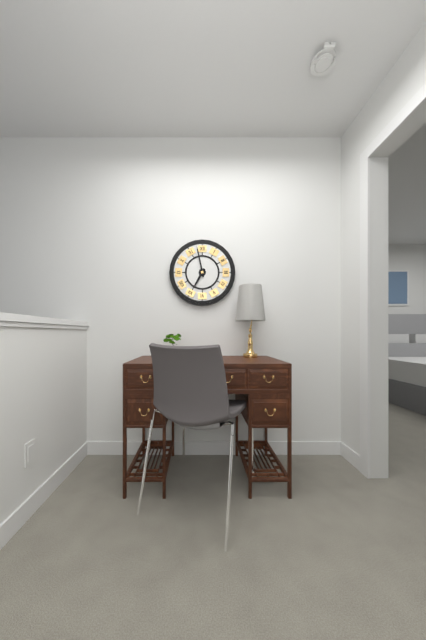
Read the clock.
6:58
